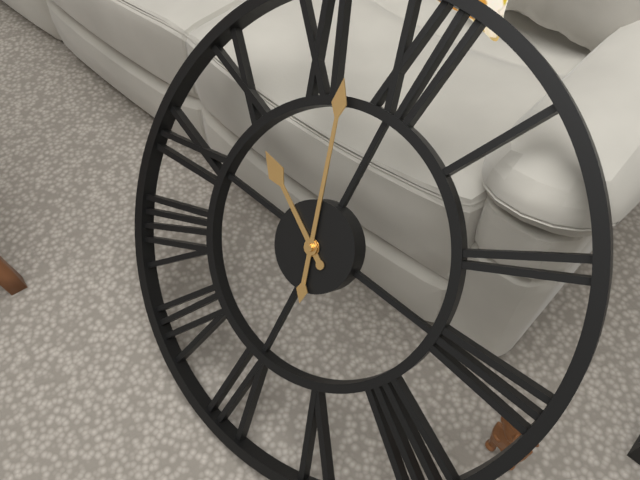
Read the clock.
9:57
